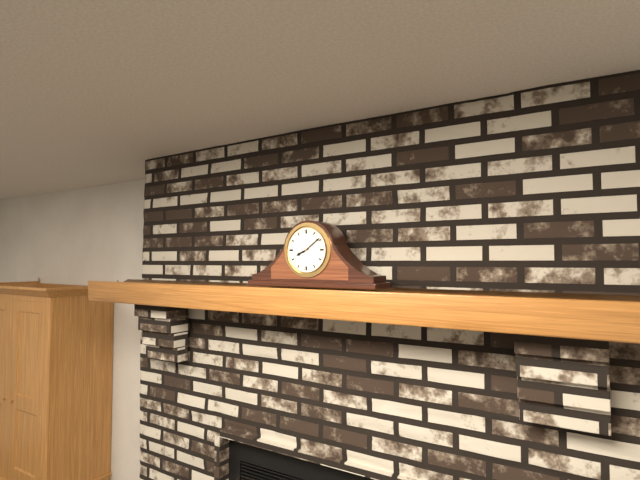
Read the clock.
8:09
